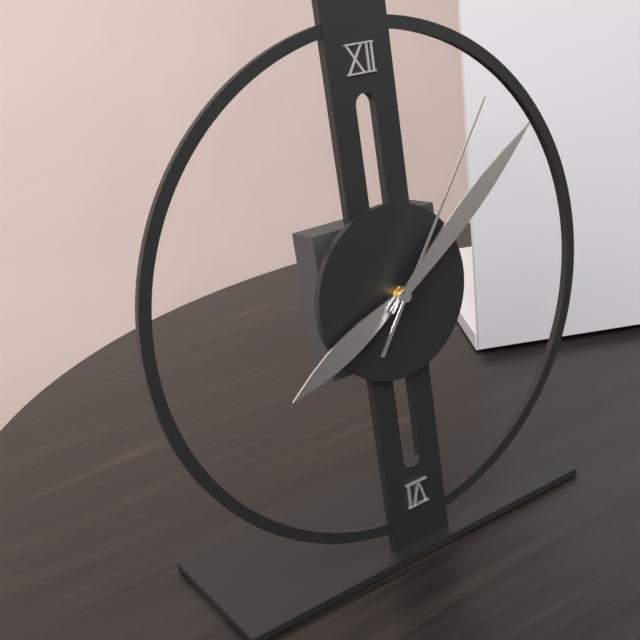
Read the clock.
8:09:06
